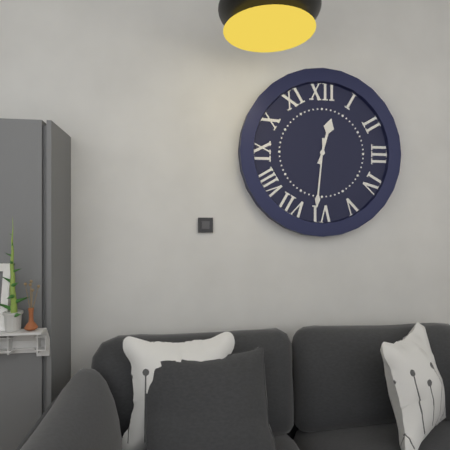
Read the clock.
12:31
